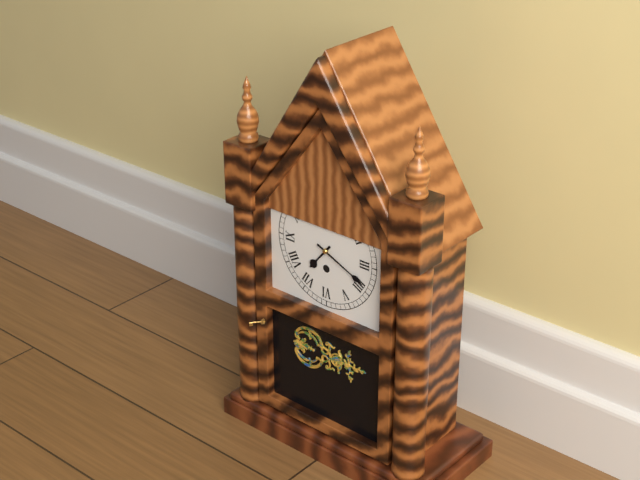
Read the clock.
7:19
